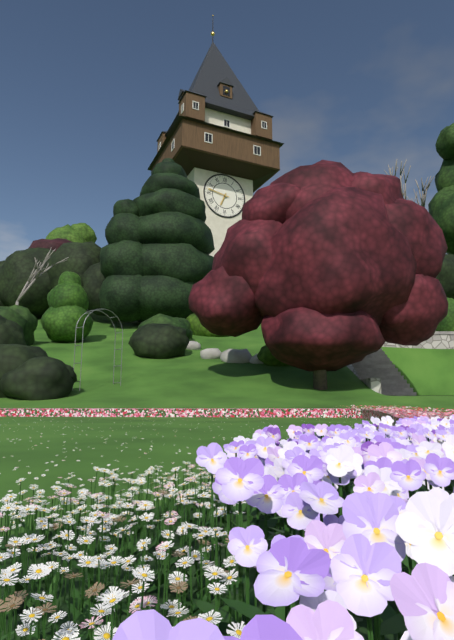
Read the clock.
6:47
